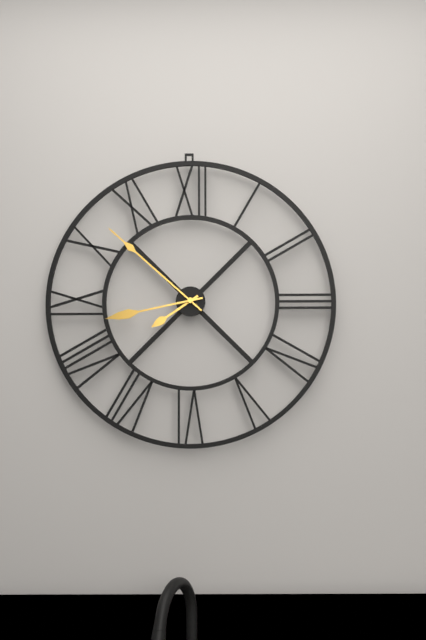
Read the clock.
7:52:43
